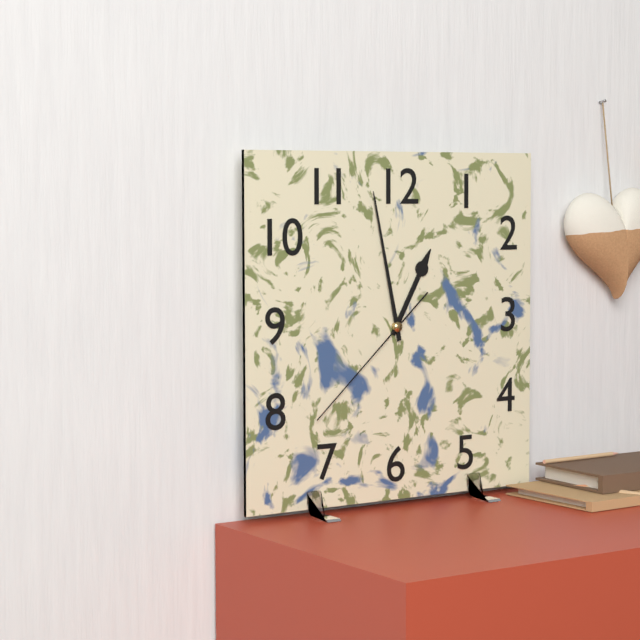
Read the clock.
12:58:38
